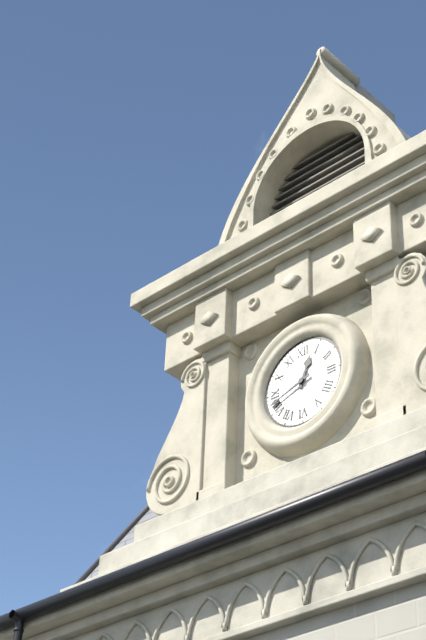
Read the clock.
12:42
